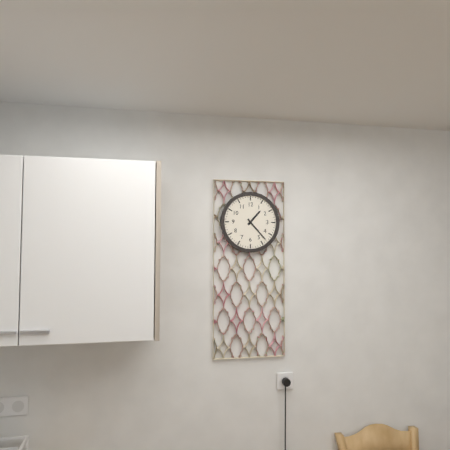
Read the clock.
1:23
